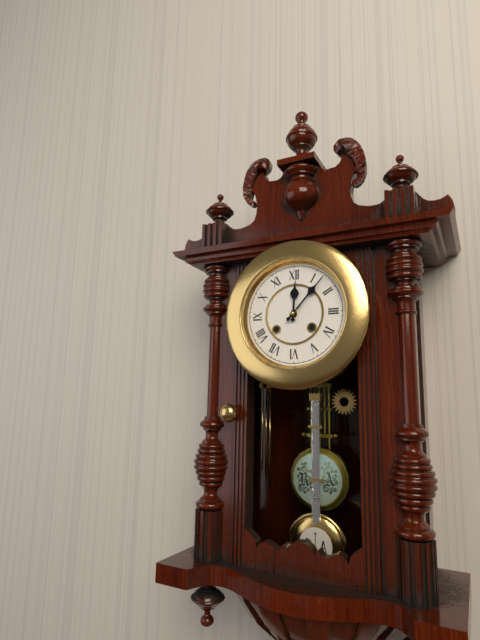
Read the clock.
12:07
